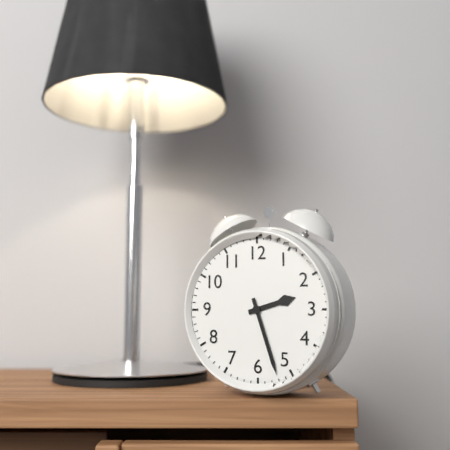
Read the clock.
2:27
